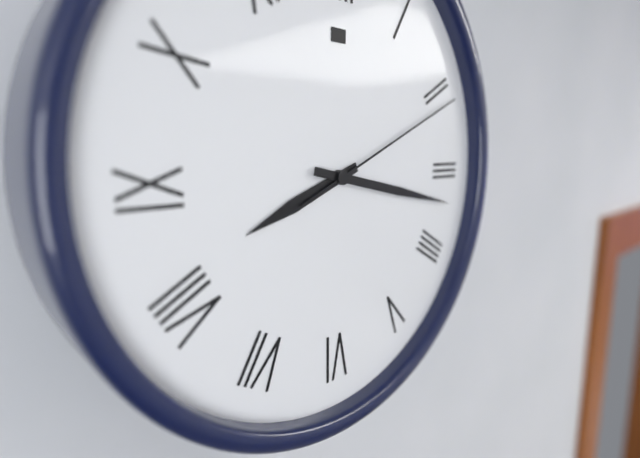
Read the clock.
8:17:11
